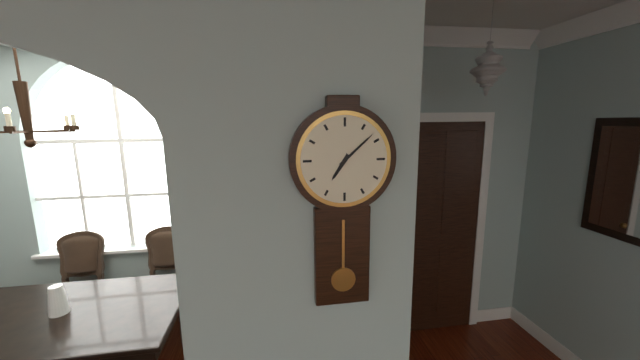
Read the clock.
7:08
